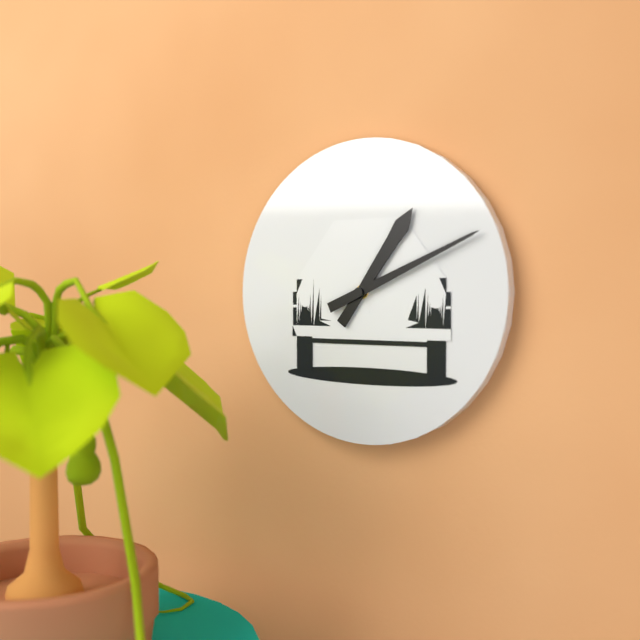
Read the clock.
1:11
